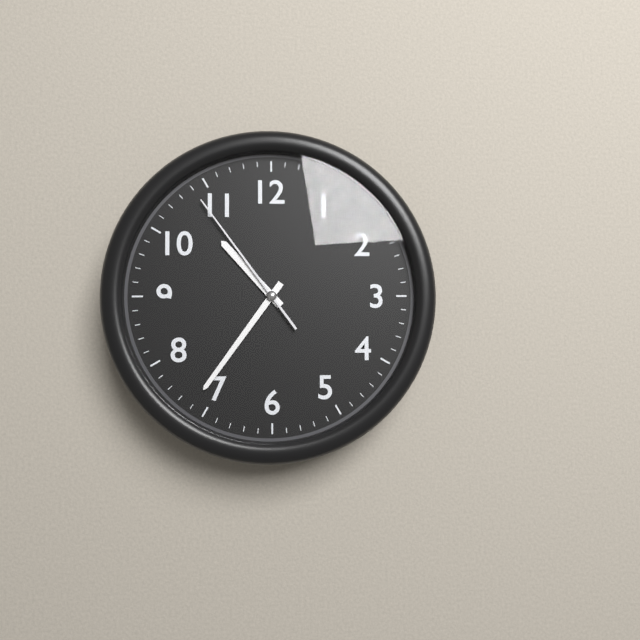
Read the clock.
10:36:54
